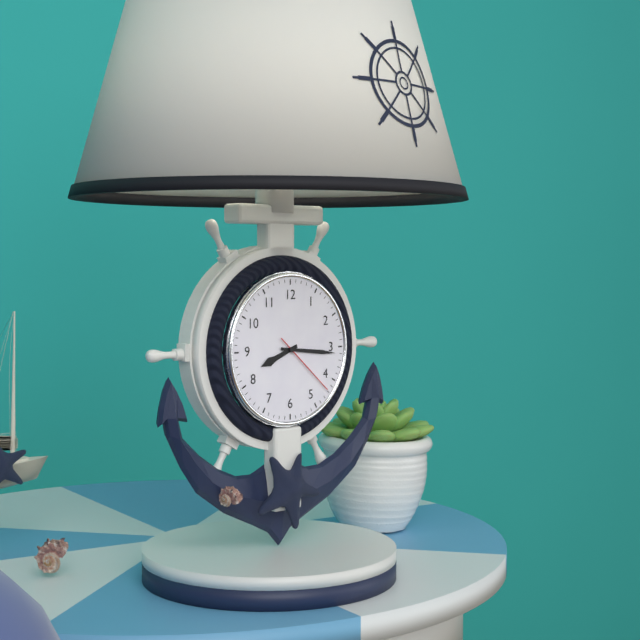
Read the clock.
8:16:22
